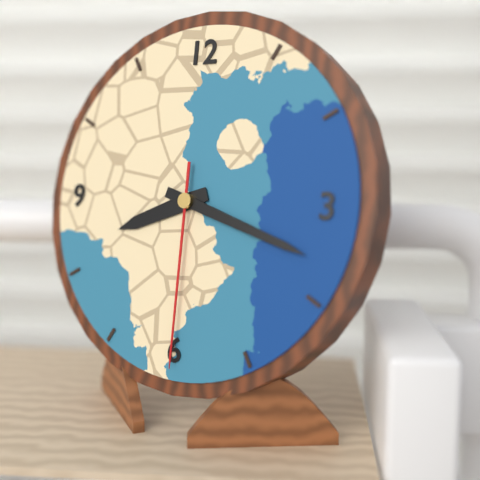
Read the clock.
8:18:30
